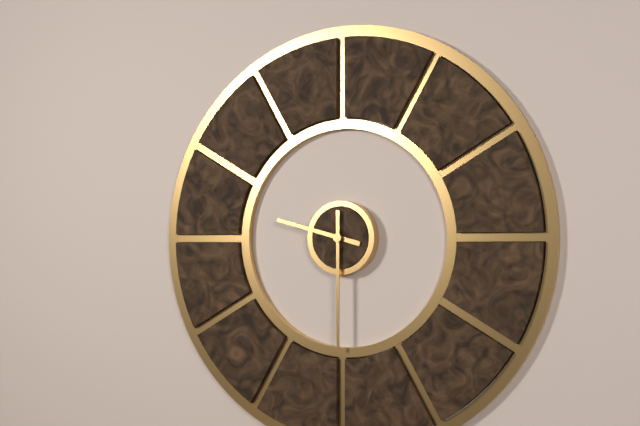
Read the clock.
9:30
